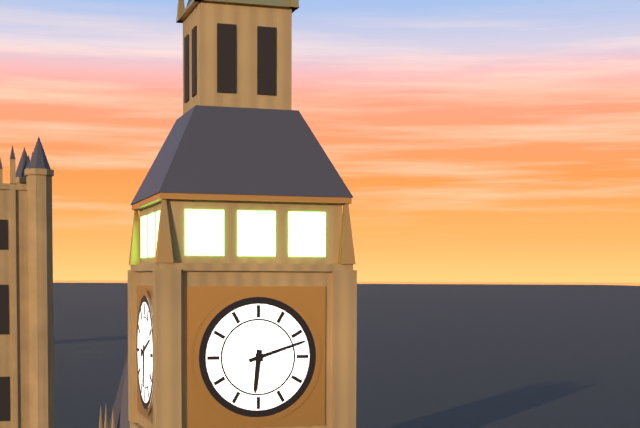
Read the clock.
6:12
